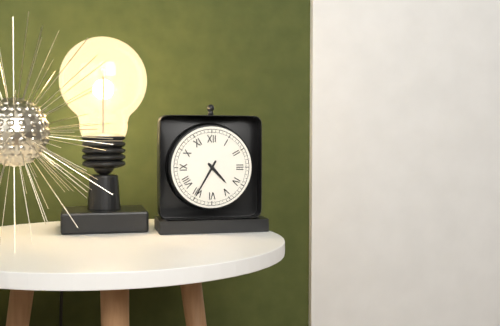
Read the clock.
4:35
